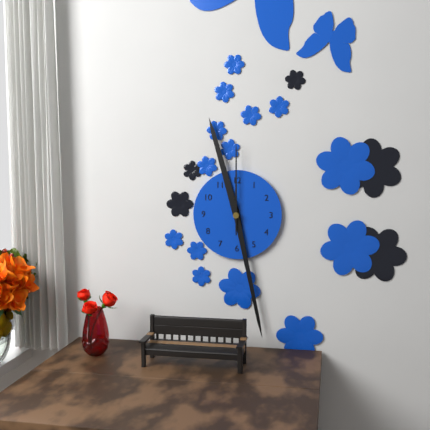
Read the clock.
11:28:00
